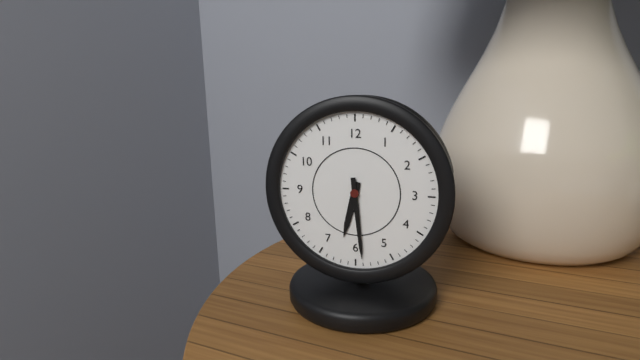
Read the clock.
6:29
